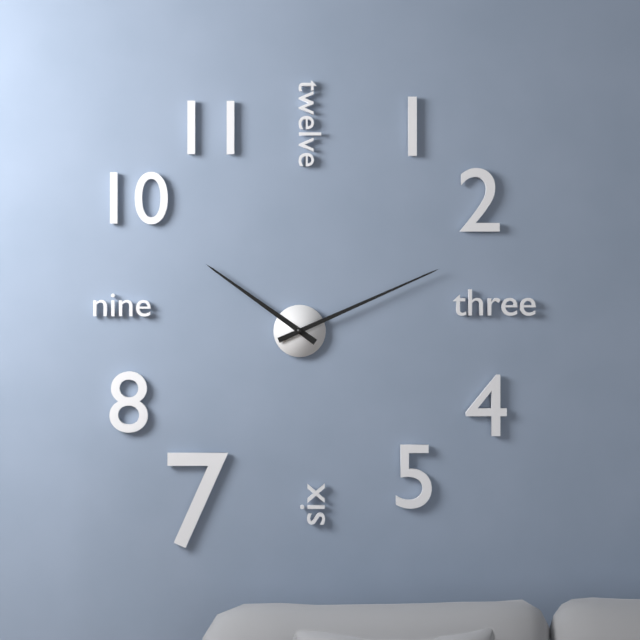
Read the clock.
10:11
